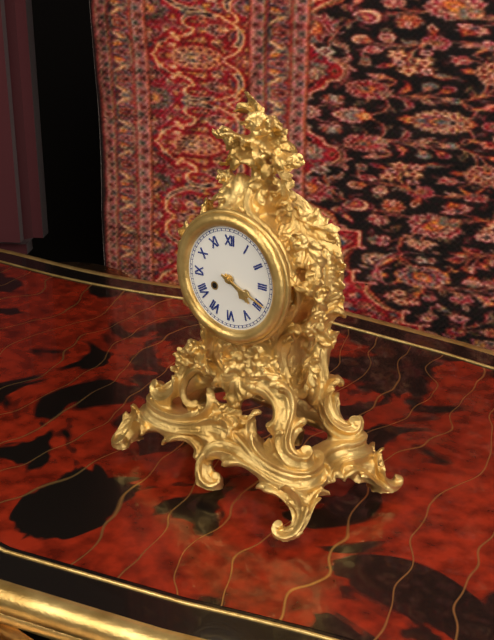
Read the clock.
4:19
